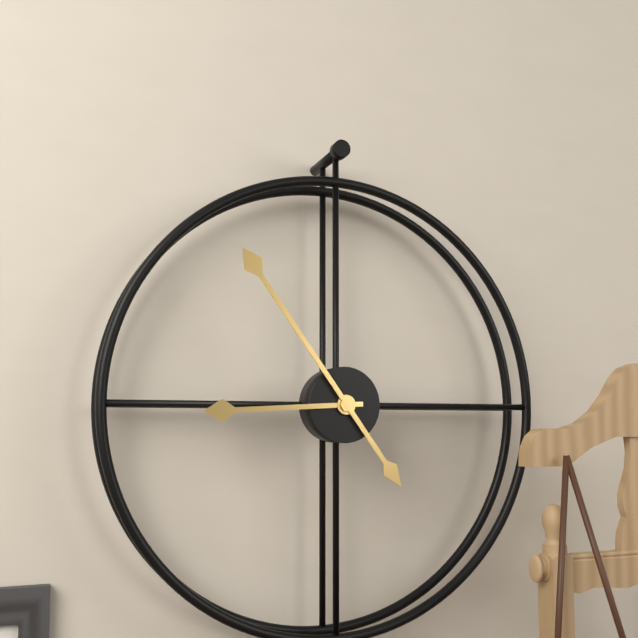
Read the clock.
8:54
